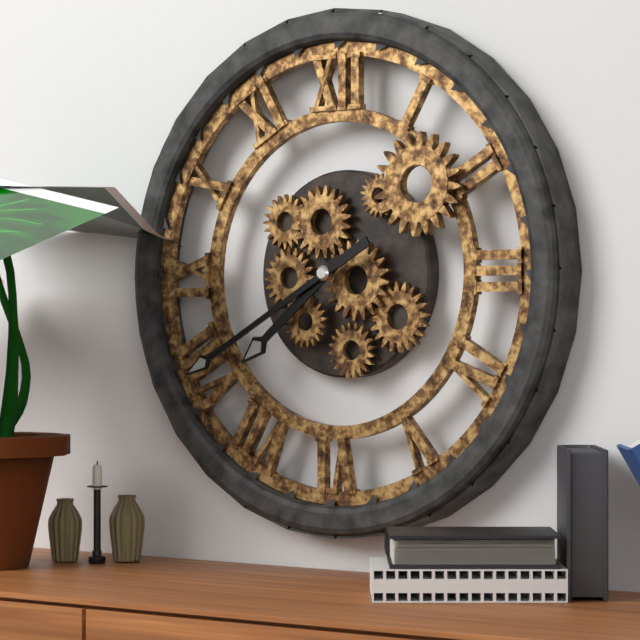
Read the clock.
7:40
